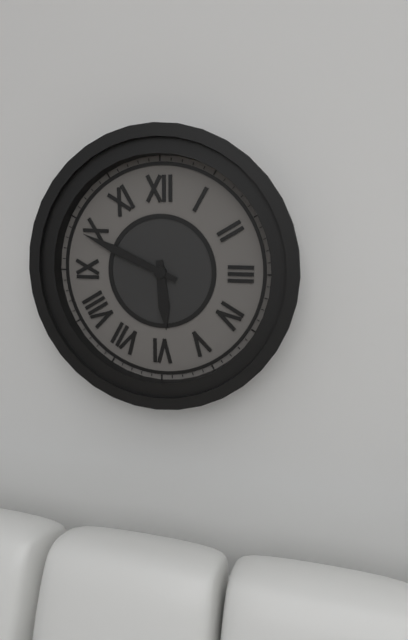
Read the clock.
5:49
